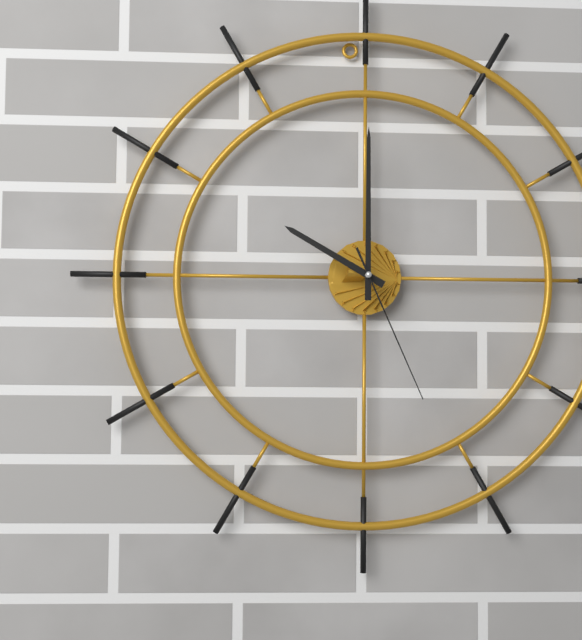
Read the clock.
10:00:26
